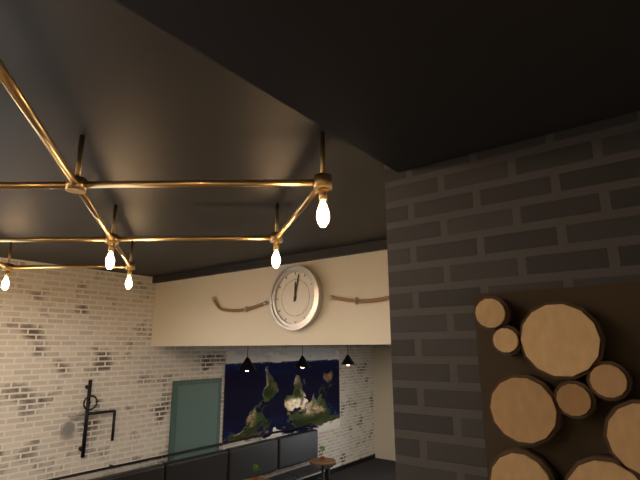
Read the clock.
12:02
